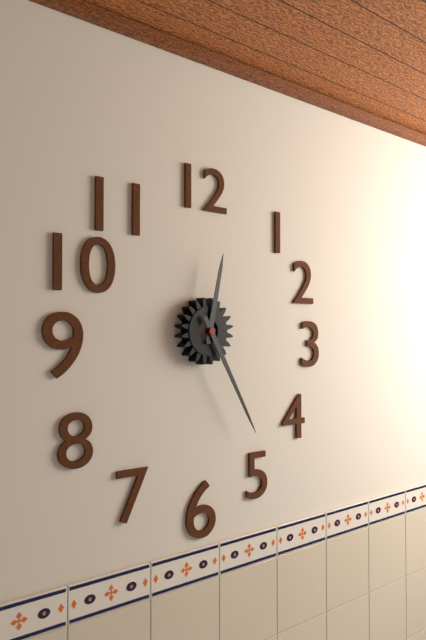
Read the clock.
12:25
